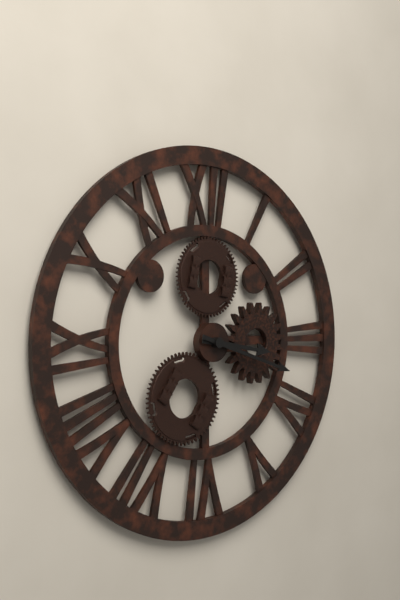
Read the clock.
3:18
